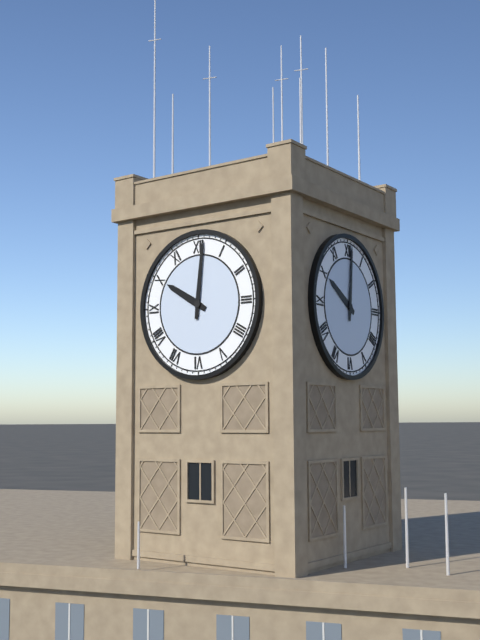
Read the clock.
10:01
